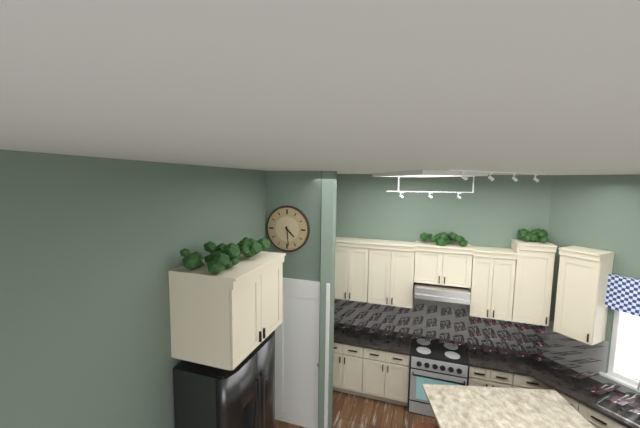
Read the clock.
4:29
